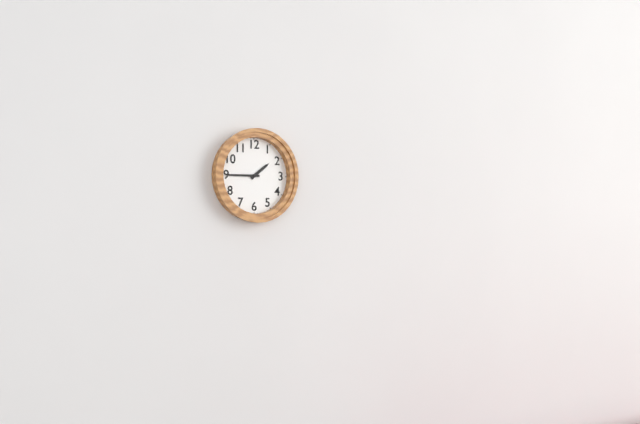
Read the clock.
1:45
